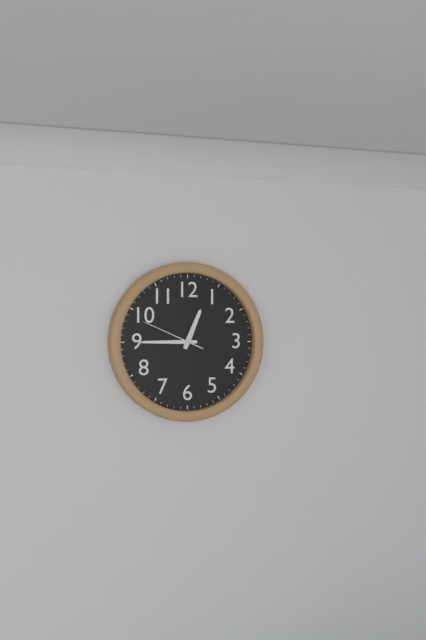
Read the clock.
12:45:49
